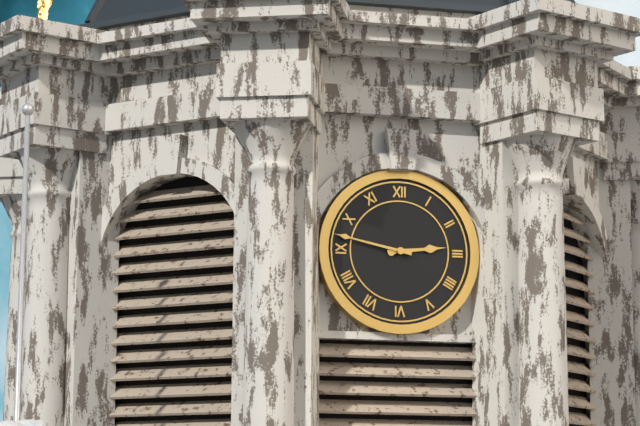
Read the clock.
2:47
